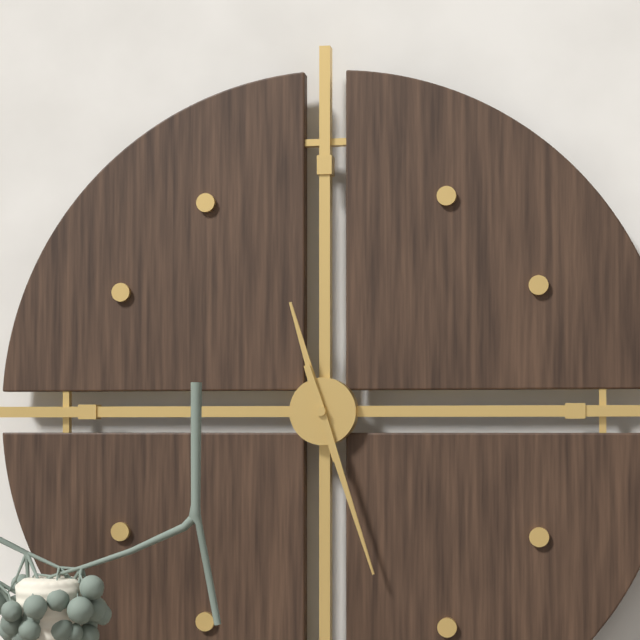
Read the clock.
11:27
